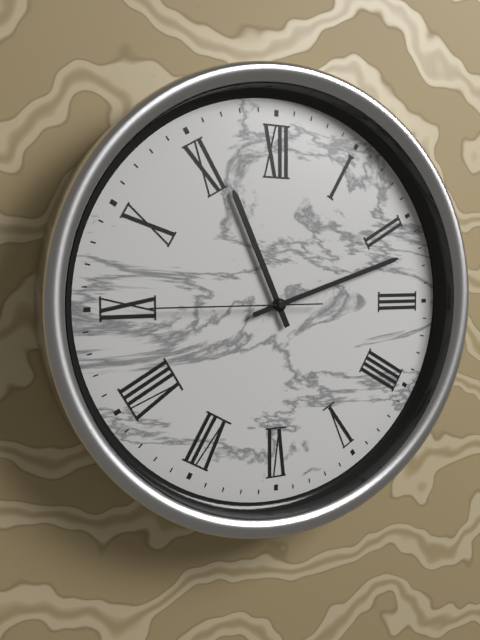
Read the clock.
11:12:45
